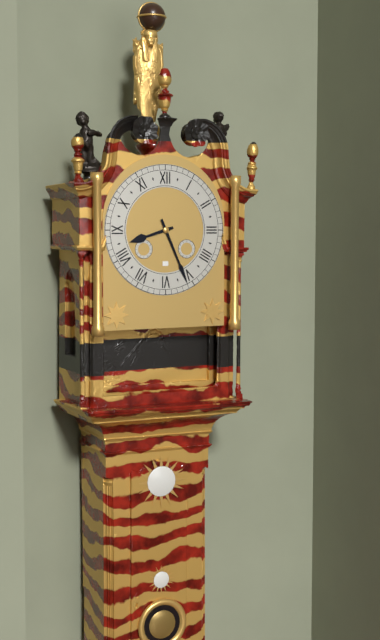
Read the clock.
8:26
